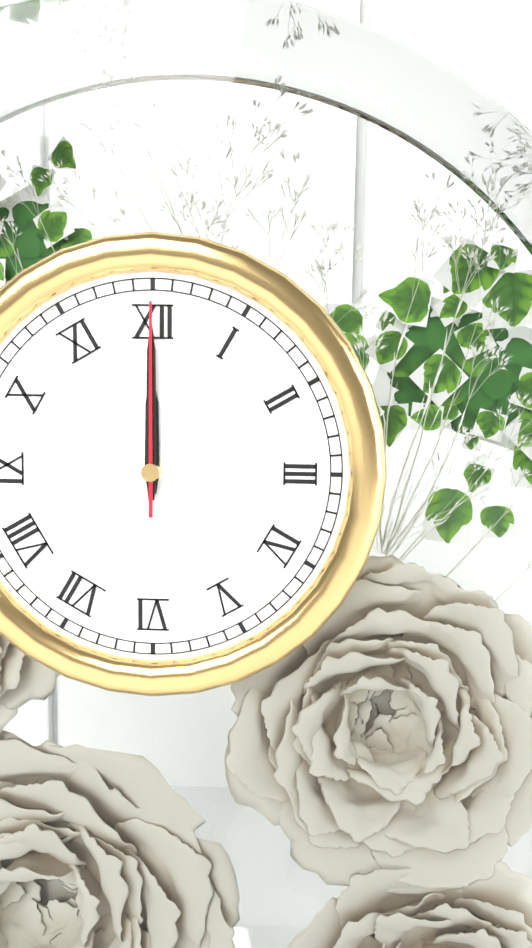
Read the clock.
12:00:00
